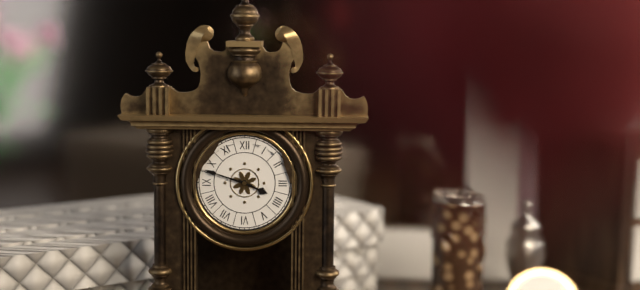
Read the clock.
3:48
